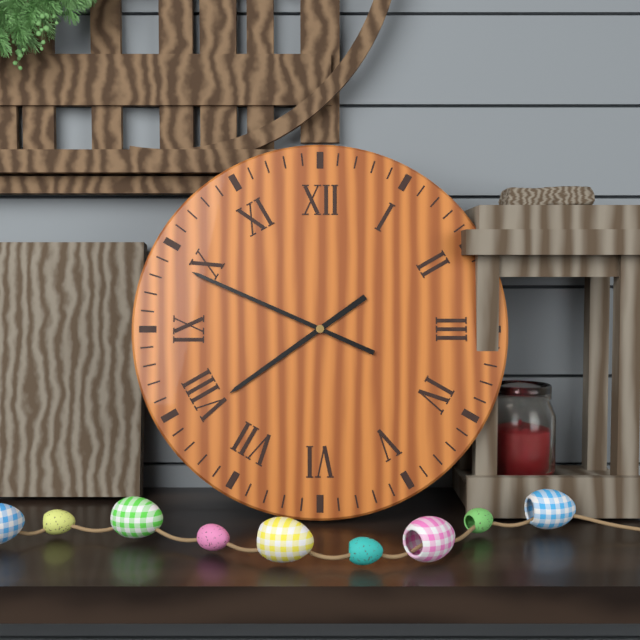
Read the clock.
7:49
